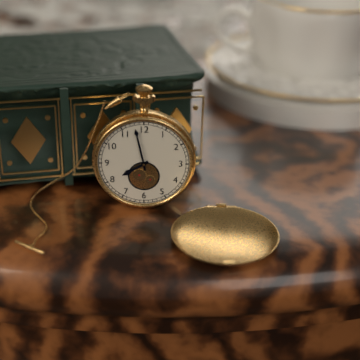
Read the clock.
7:58
